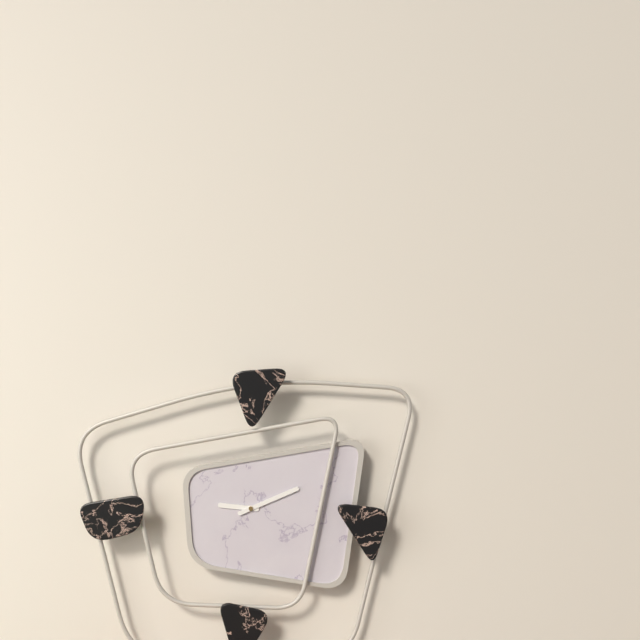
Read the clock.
9:11
